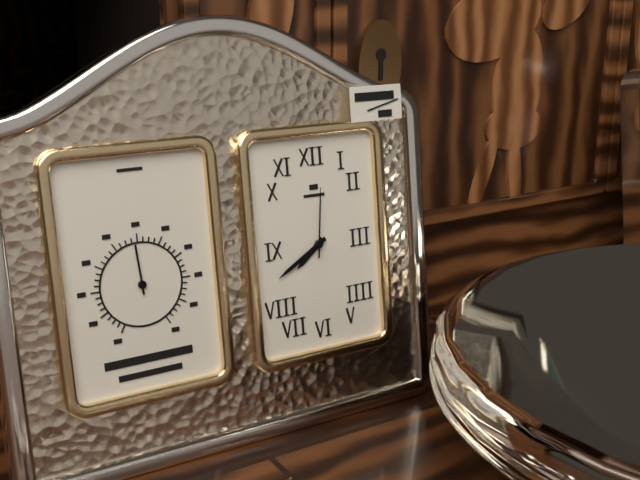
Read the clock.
7:40:01
